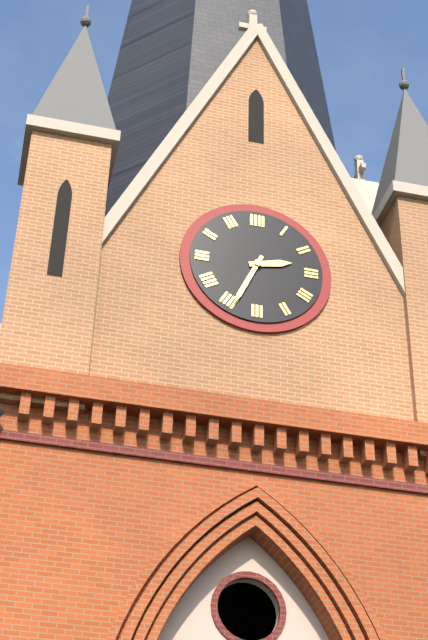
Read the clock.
2:34
